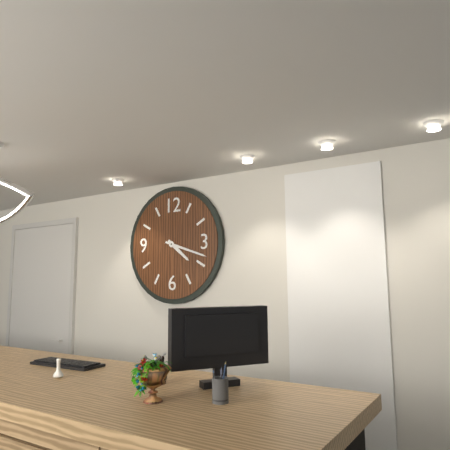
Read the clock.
4:18
